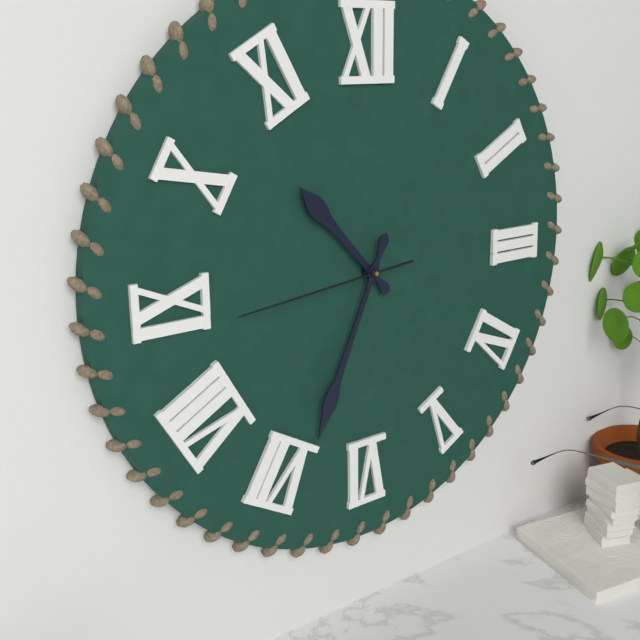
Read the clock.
10:34:44
